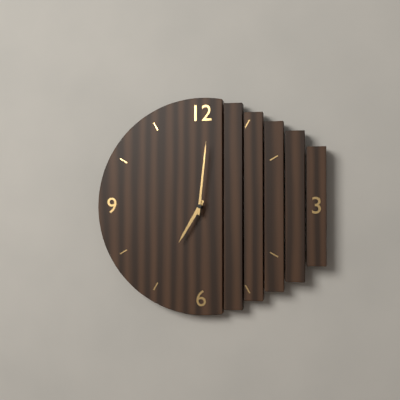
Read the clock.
7:01
